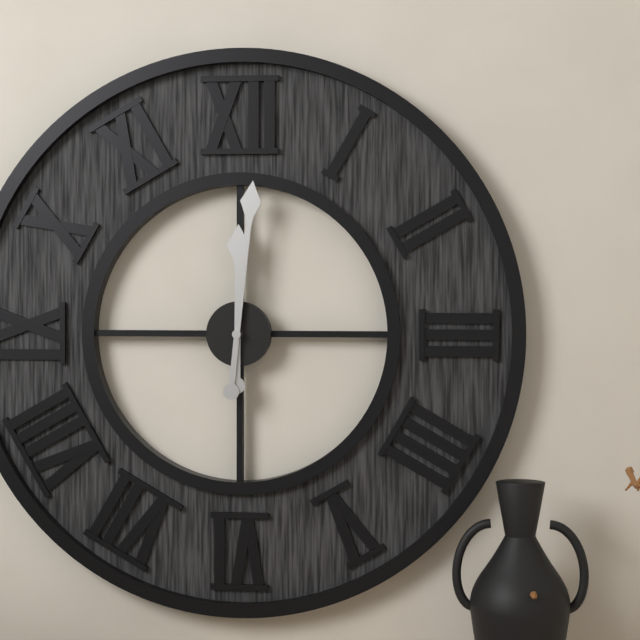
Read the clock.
12:01
